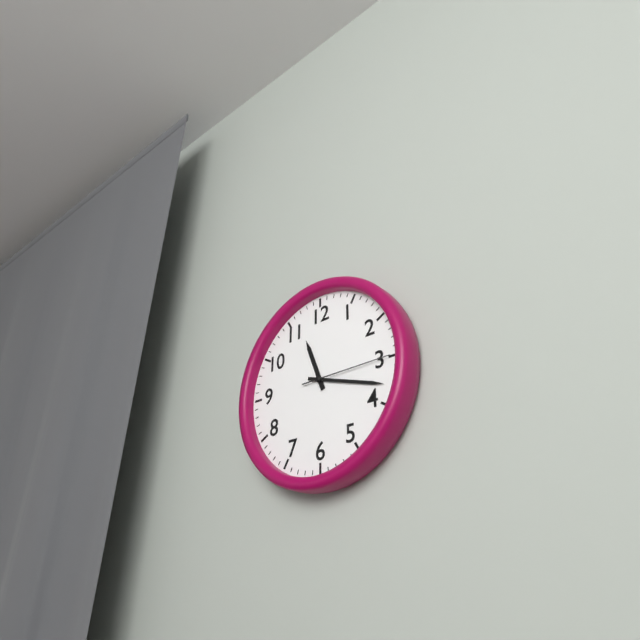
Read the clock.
11:18:15
